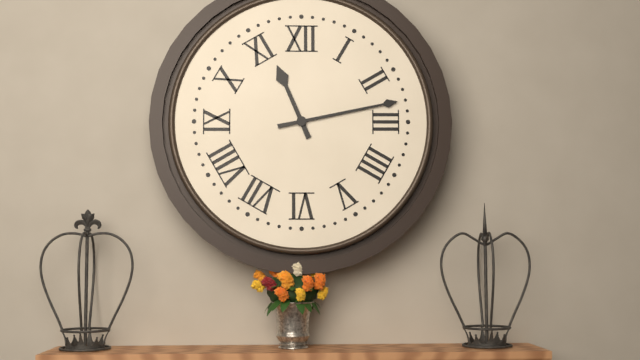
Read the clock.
11:13
